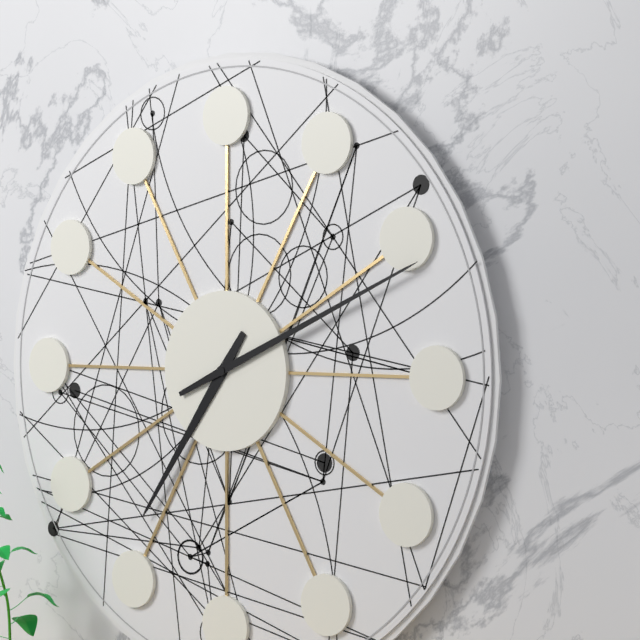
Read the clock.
7:11
